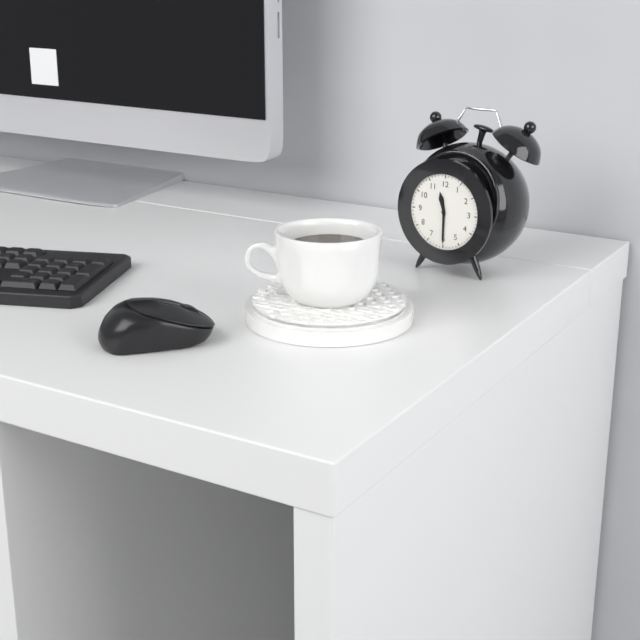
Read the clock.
11:30
